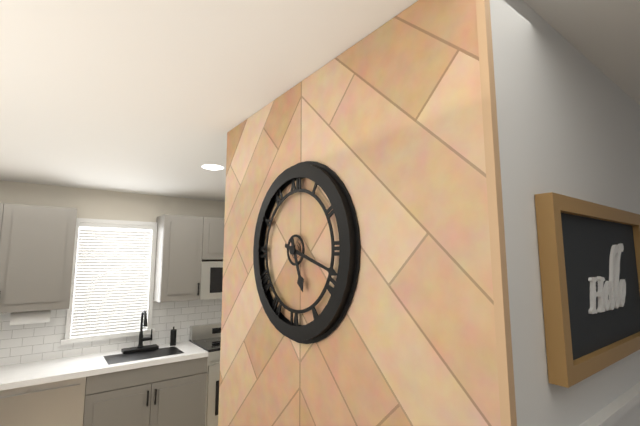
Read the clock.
5:18
